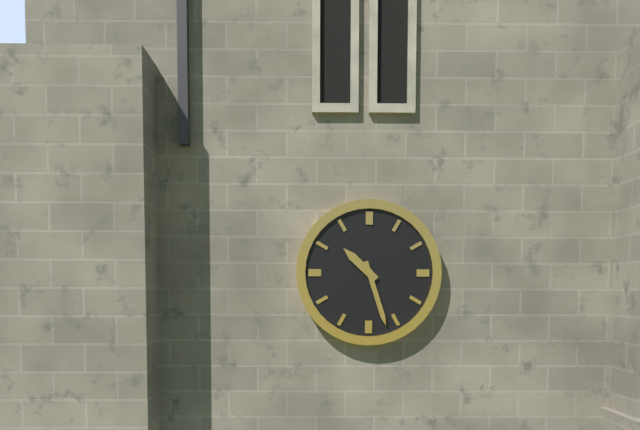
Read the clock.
10:27
